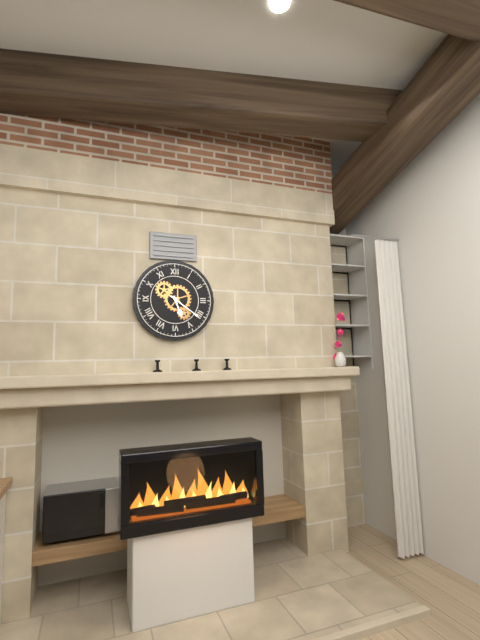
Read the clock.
5:21
